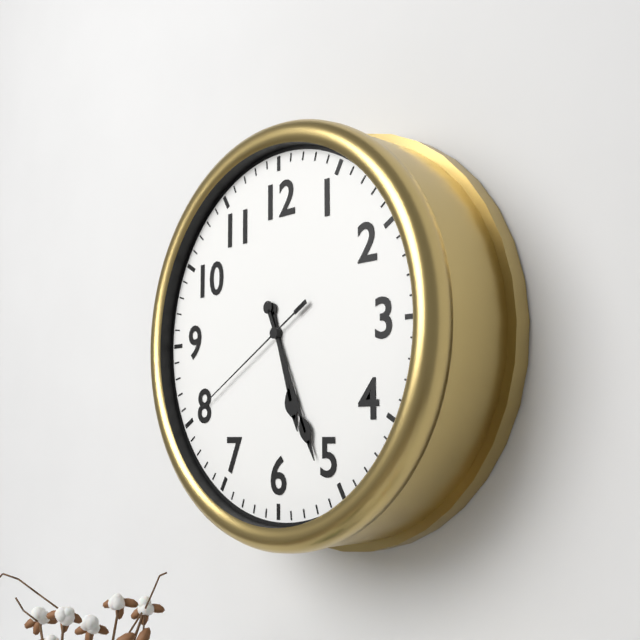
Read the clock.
5:26:40
